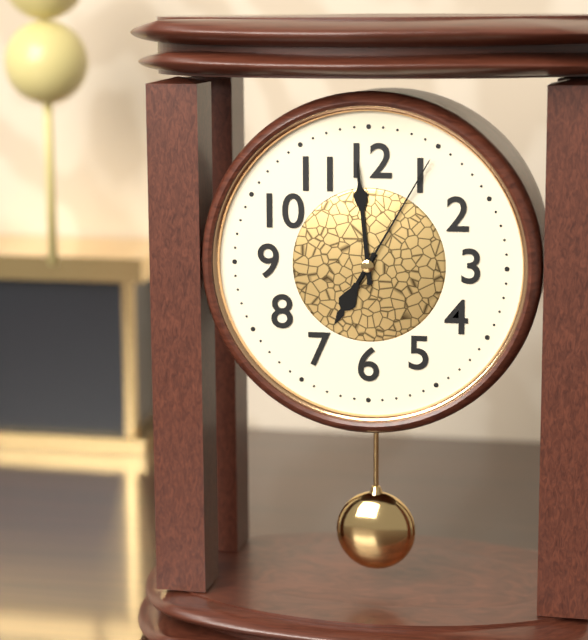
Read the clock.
6:59:05
